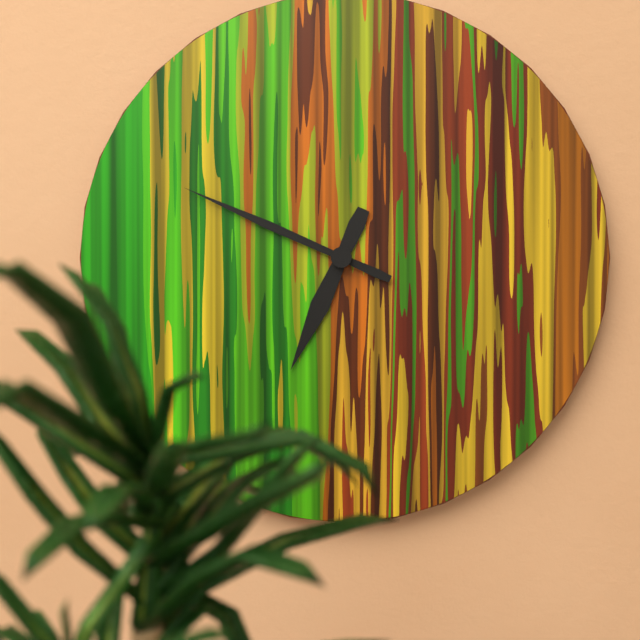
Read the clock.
6:49
